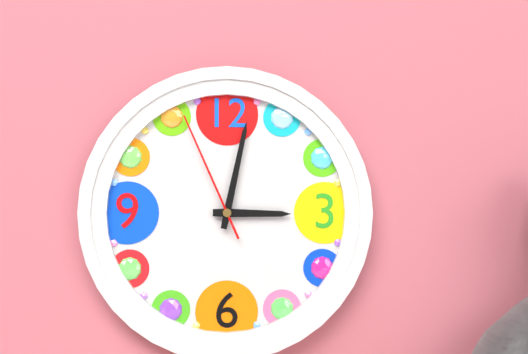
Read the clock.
3:02:56
